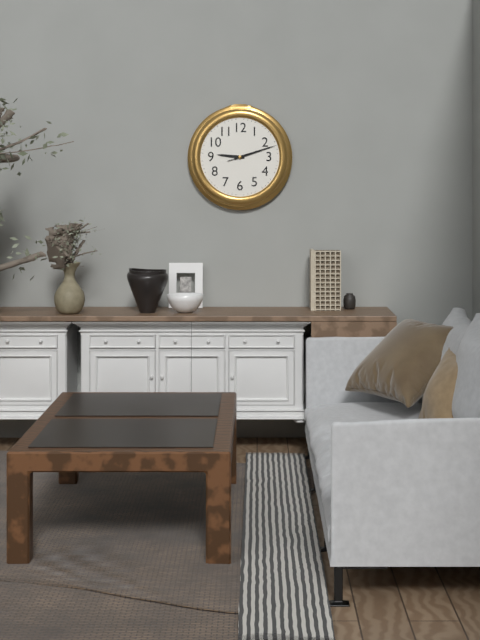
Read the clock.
9:12
